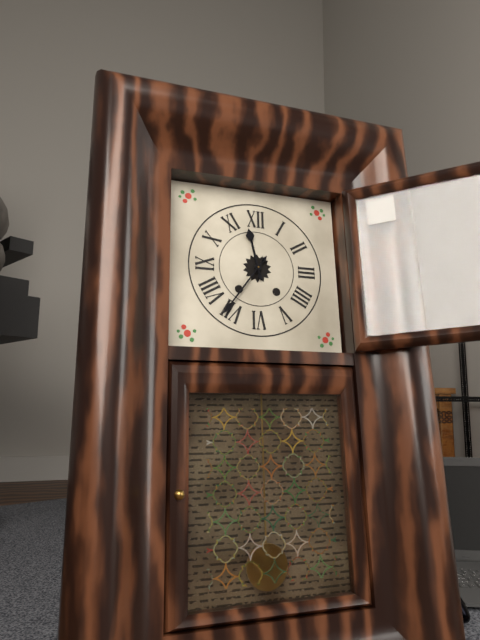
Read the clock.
11:36
